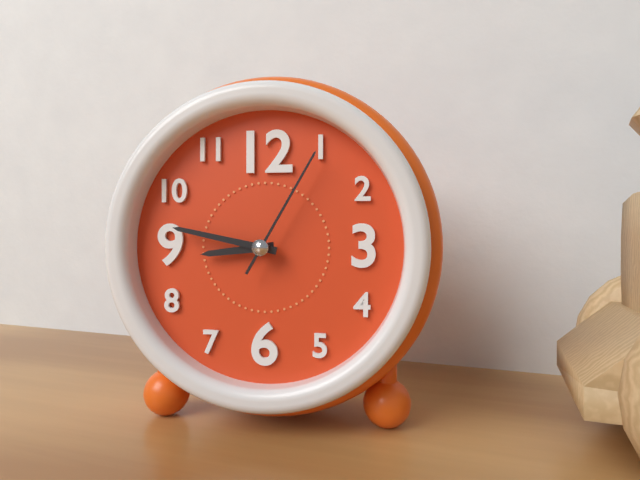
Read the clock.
8:47:05
